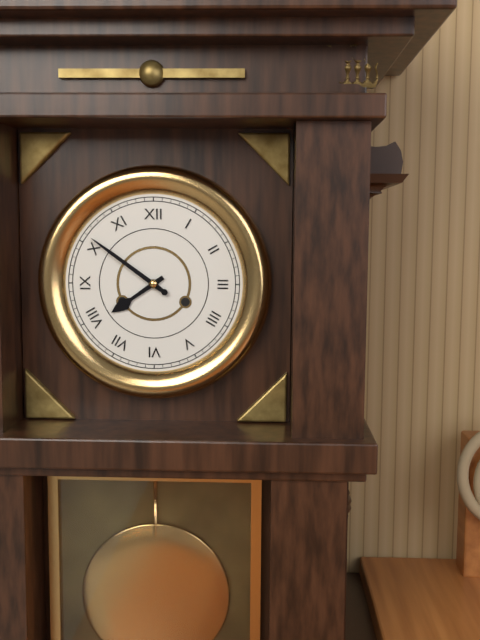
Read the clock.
7:51
